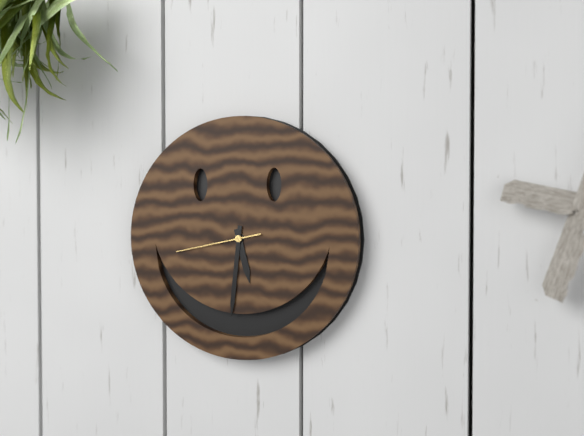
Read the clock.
5:31:43
